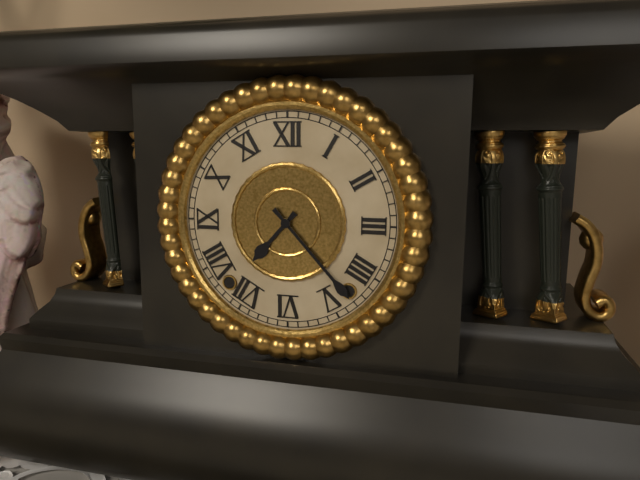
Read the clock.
7:23
